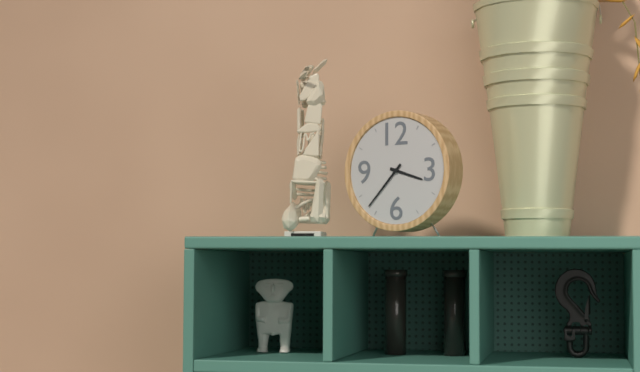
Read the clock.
3:37
